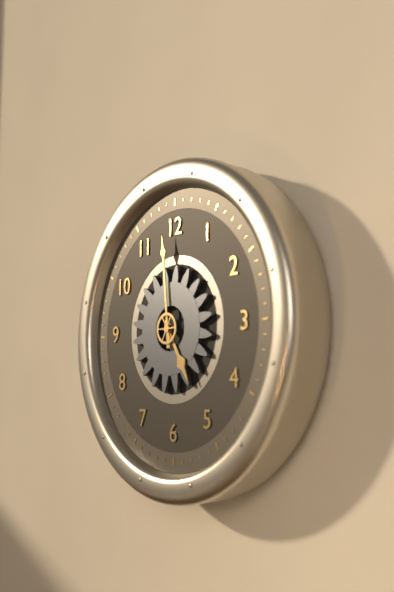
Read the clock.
4:59
